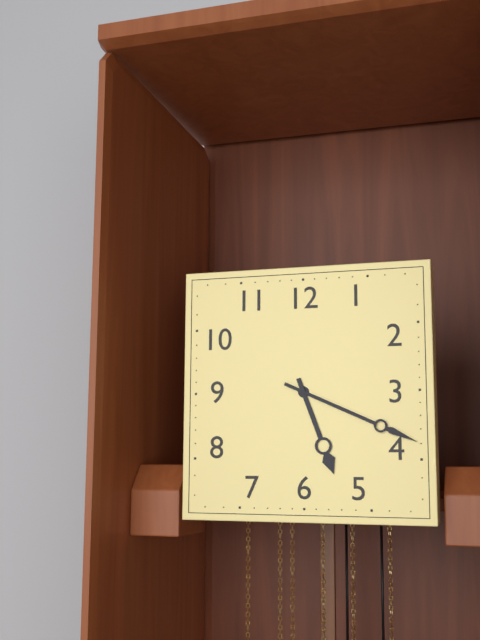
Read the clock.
5:19
